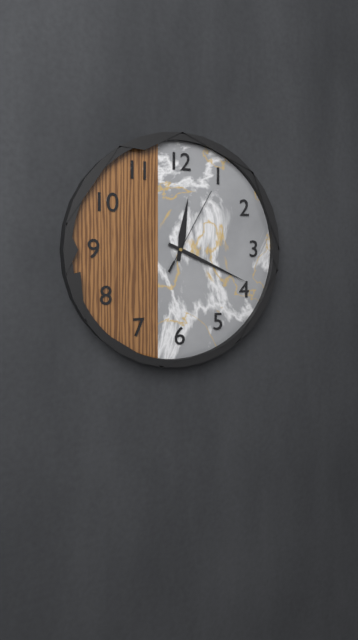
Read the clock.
12:19:05
